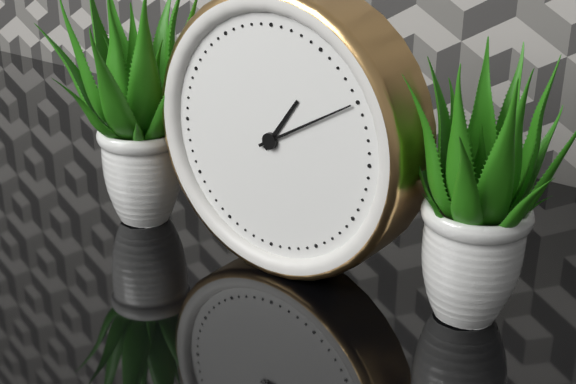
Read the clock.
1:10
